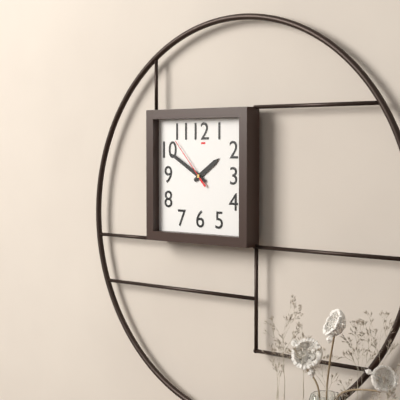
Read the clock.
1:50:53
